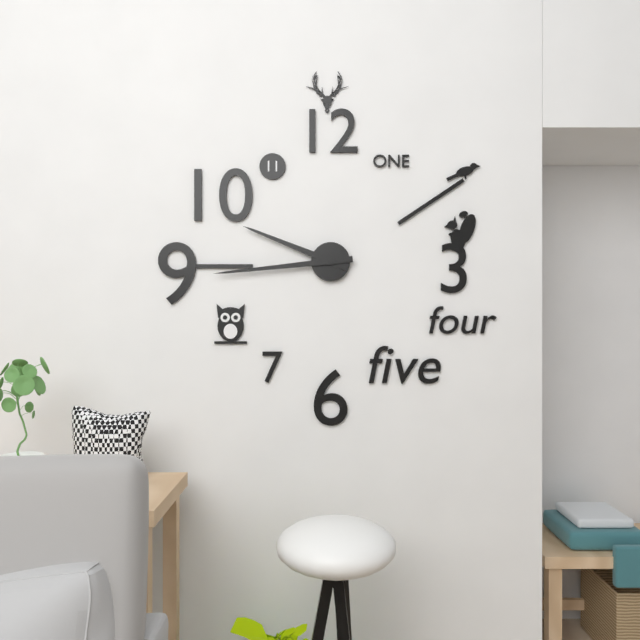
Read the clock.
9:44
